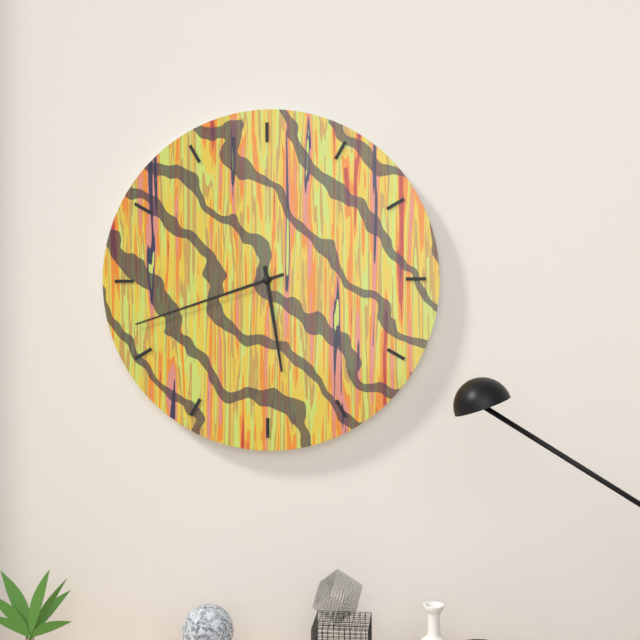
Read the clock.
5:42
